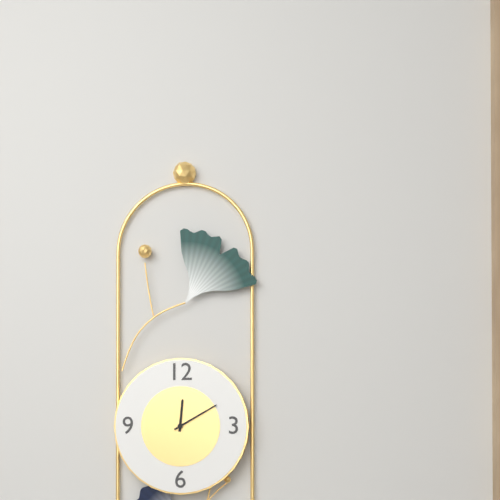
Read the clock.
12:10
